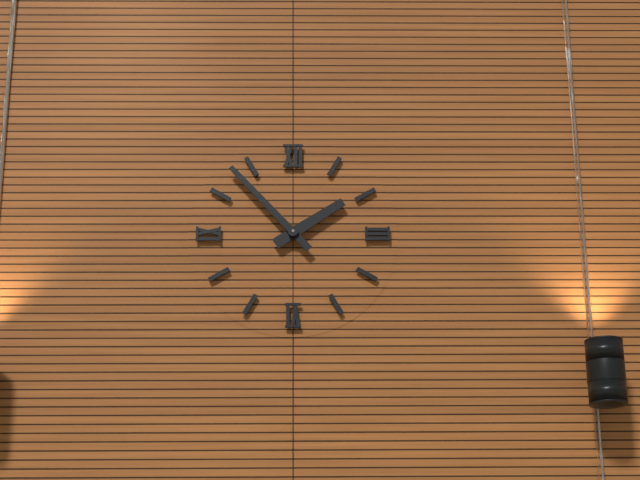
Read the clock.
1:53
